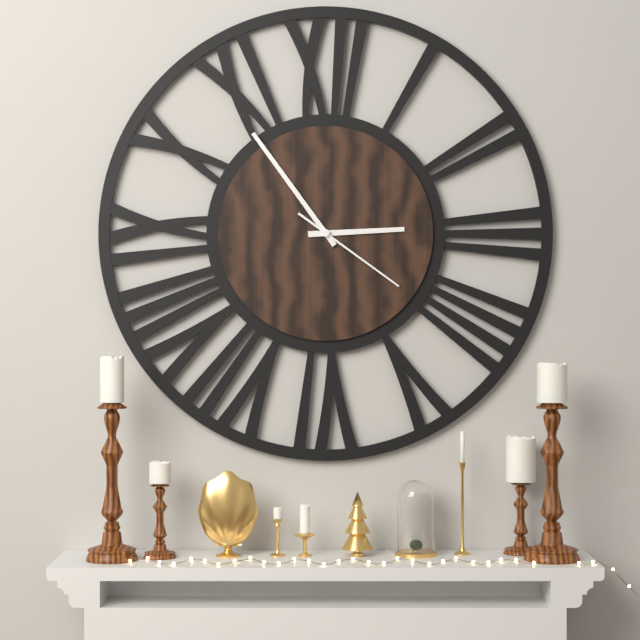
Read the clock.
2:54:21
